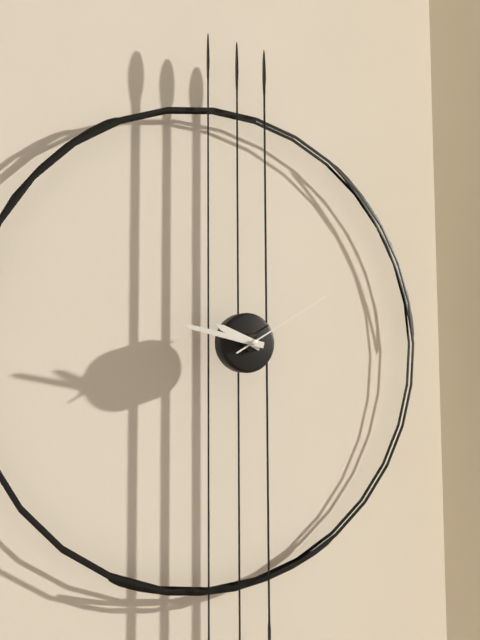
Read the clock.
9:47:10
